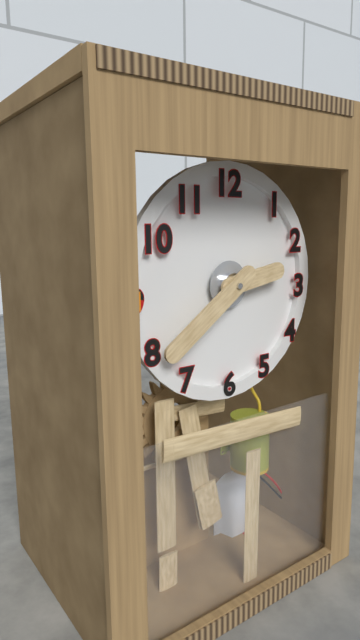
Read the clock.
2:39
